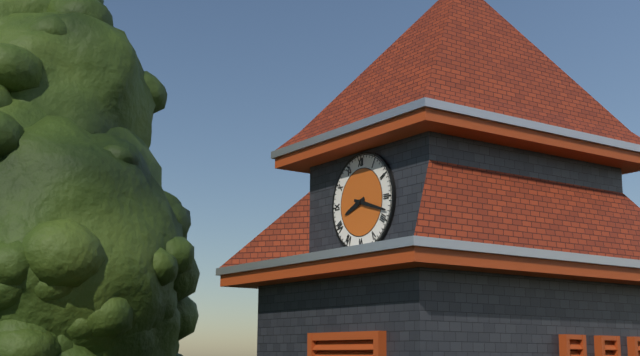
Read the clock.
8:18
